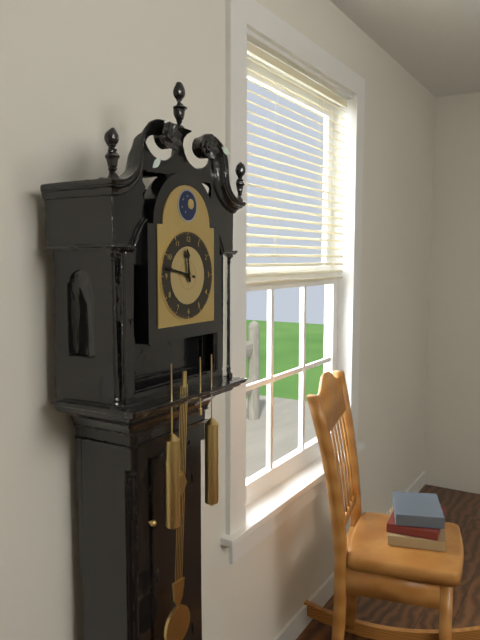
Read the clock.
11:47
